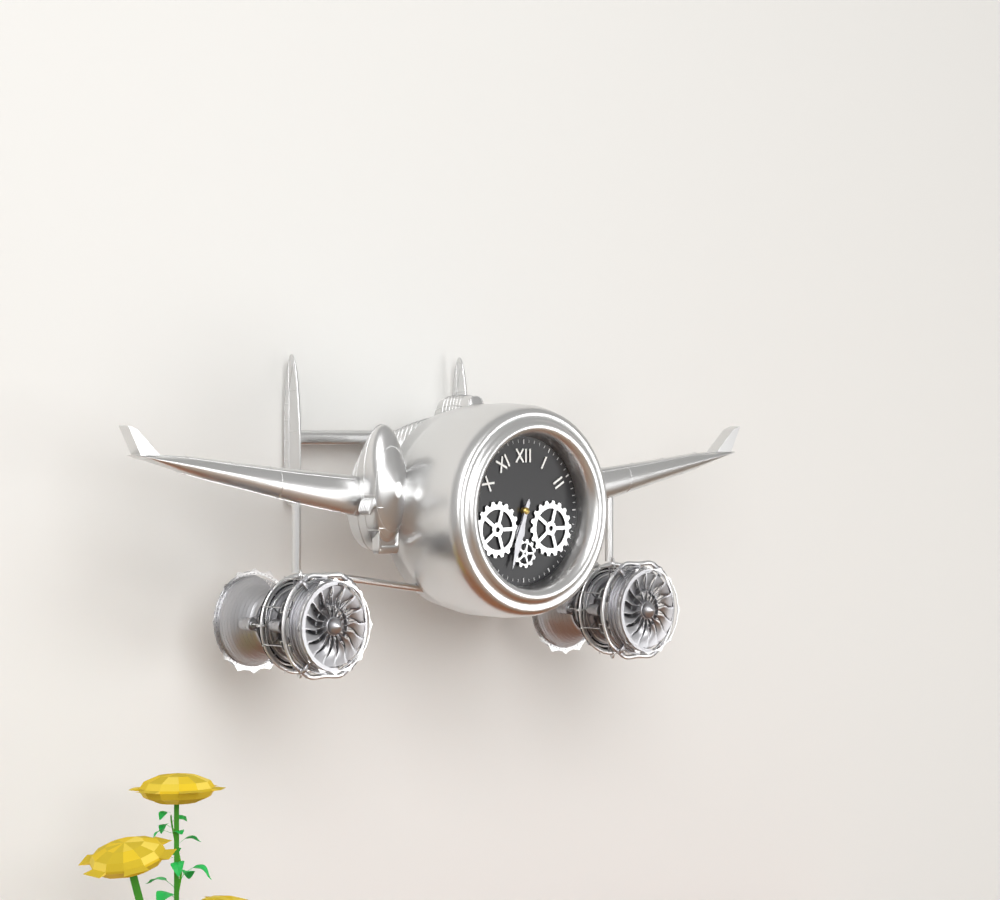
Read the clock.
6:33
